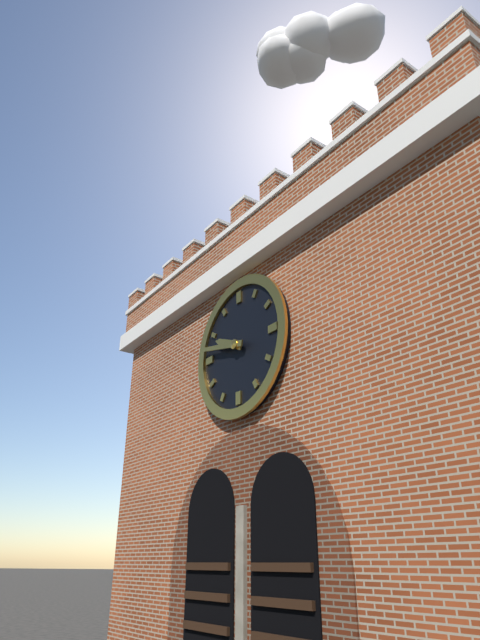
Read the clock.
9:47
